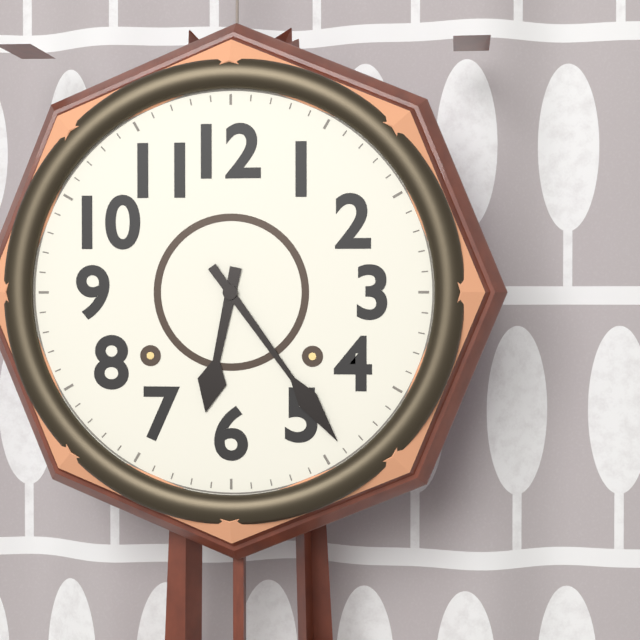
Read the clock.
6:24
